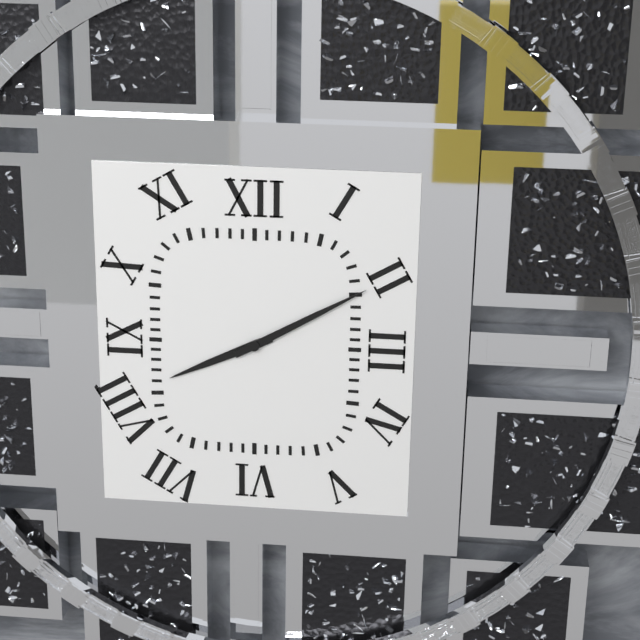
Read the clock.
8:10
